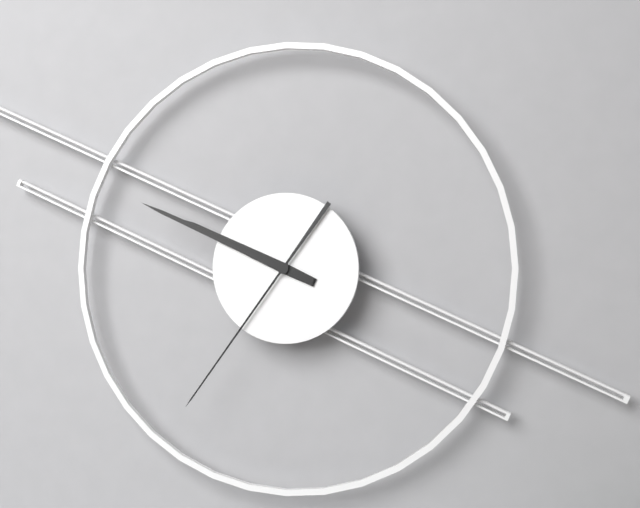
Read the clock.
9:49:36
